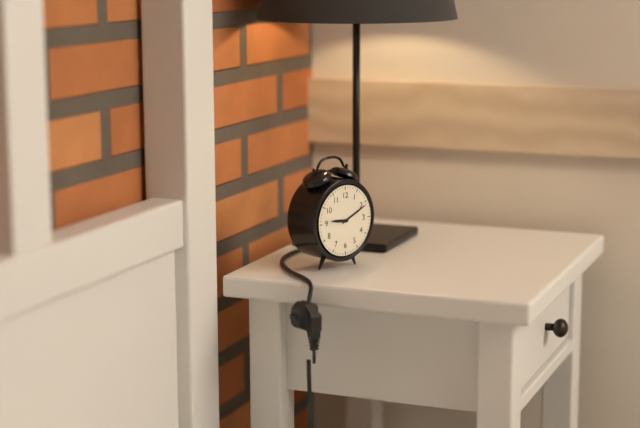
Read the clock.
9:11
